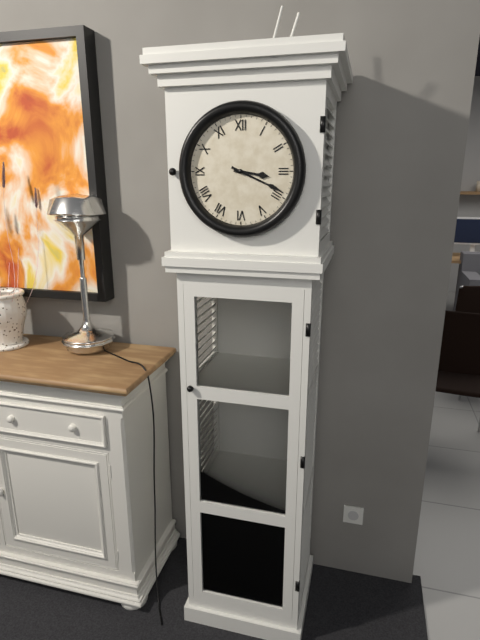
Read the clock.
3:19
